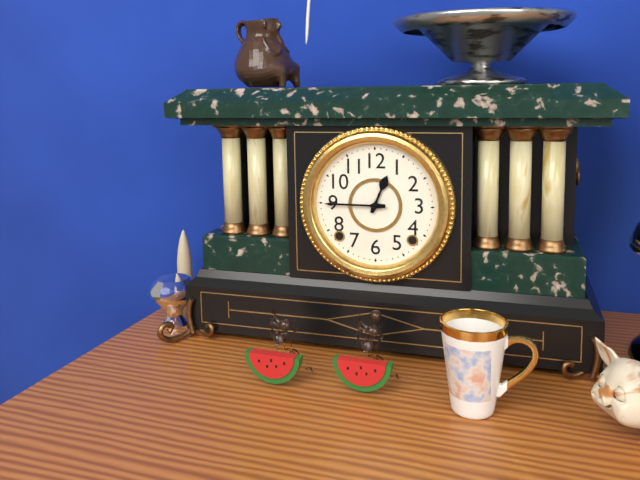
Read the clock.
12:45
